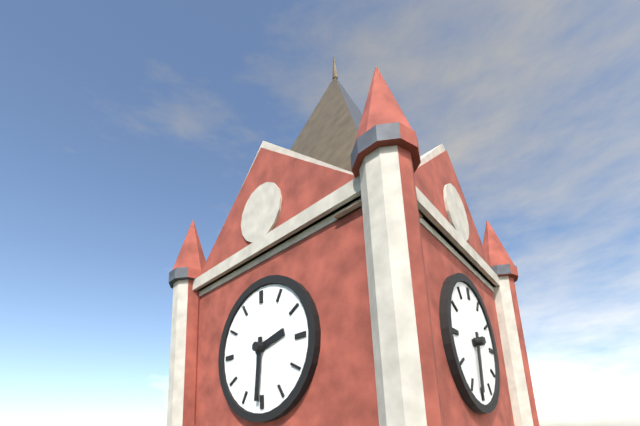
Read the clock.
2:31
